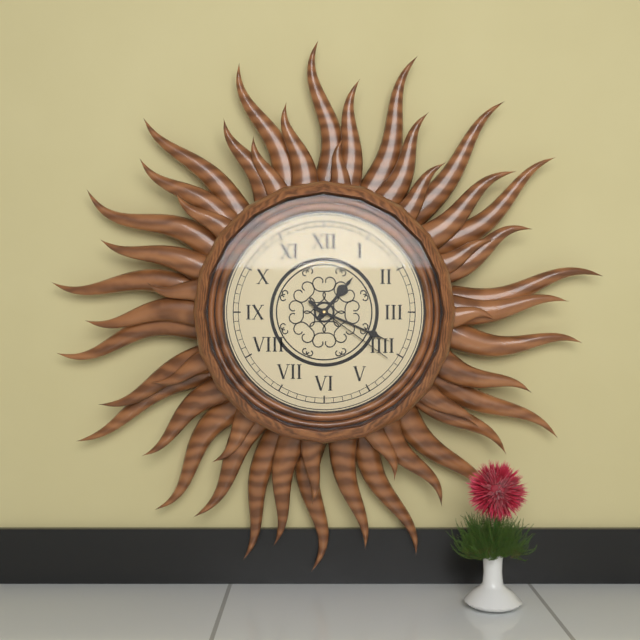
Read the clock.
1:19:21
